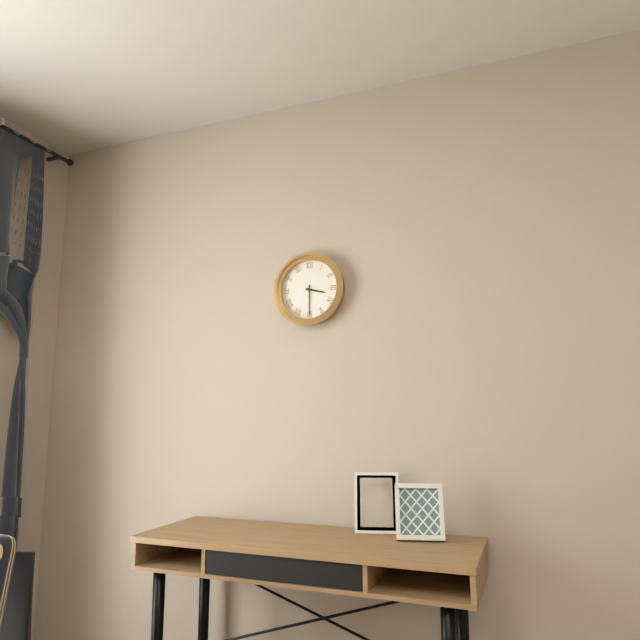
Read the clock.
3:30
